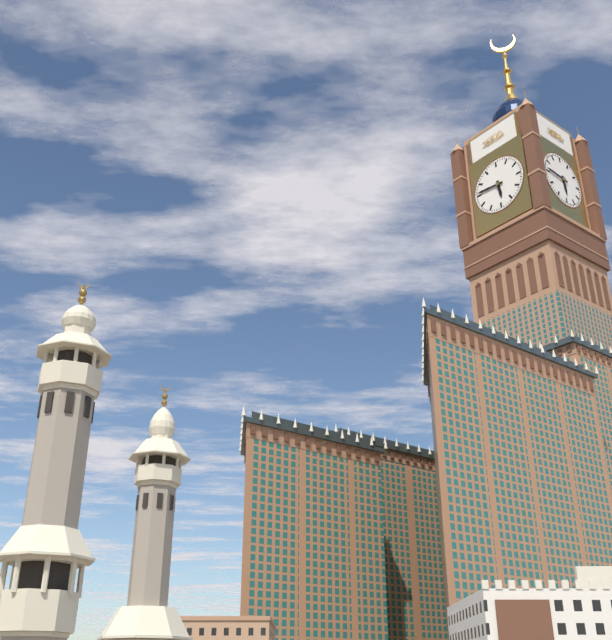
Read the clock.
5:46
